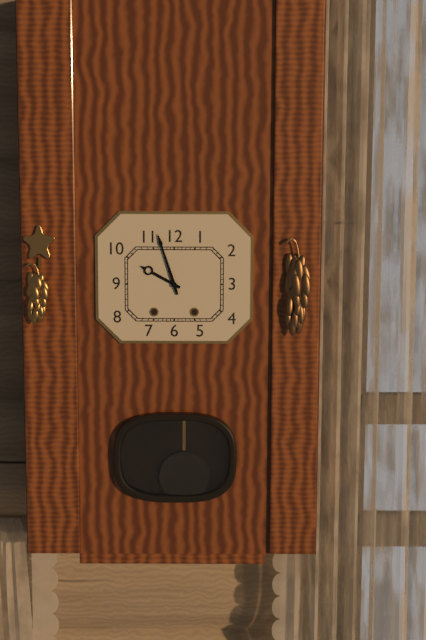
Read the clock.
9:57
